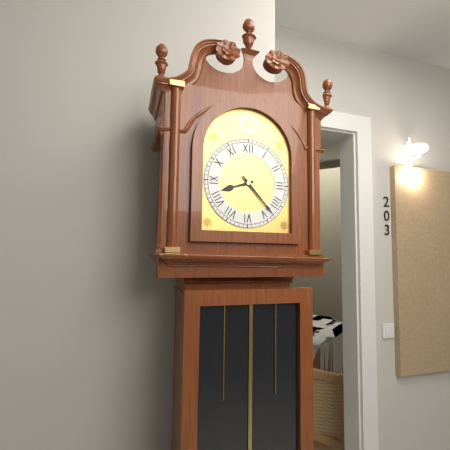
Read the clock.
8:23
